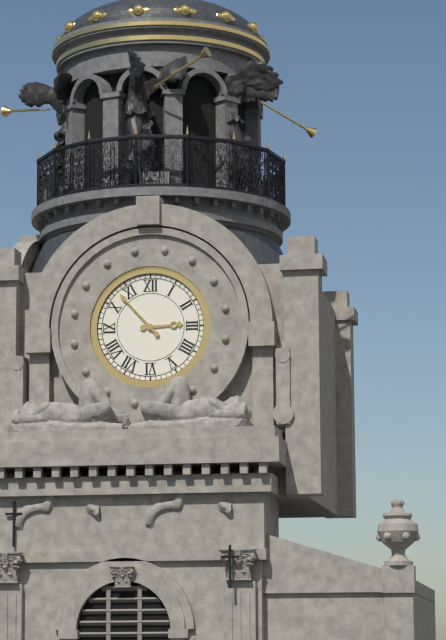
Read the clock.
2:53
